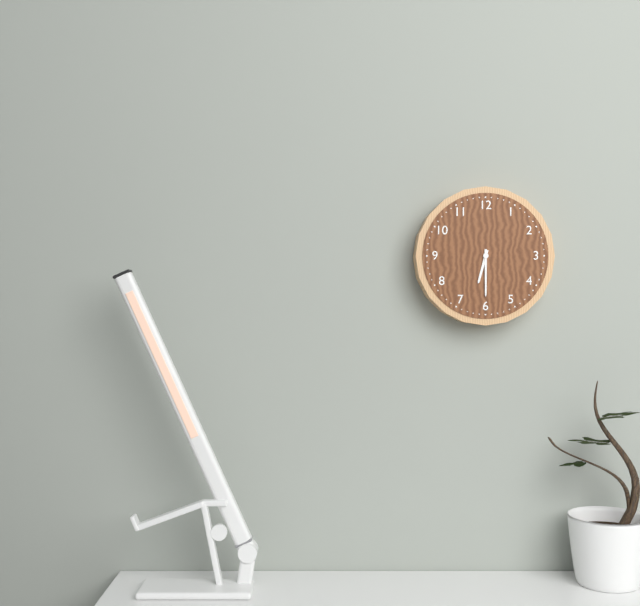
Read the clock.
6:30
